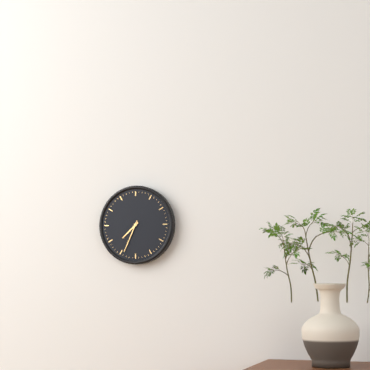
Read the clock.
7:34
